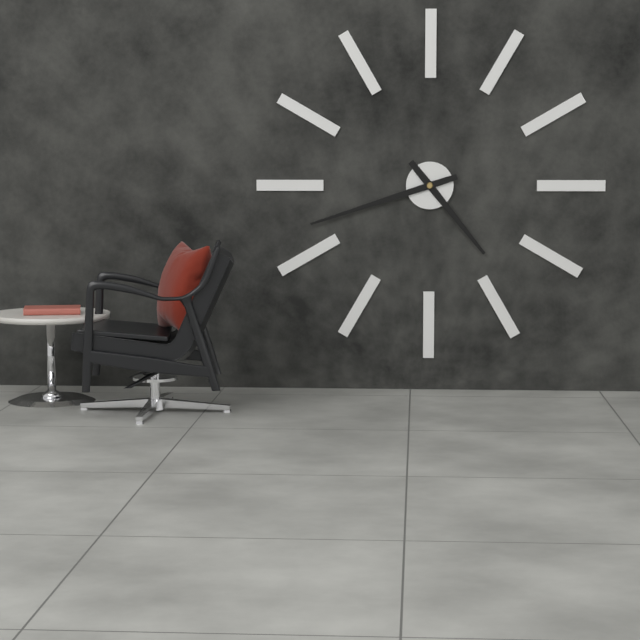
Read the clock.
4:42
